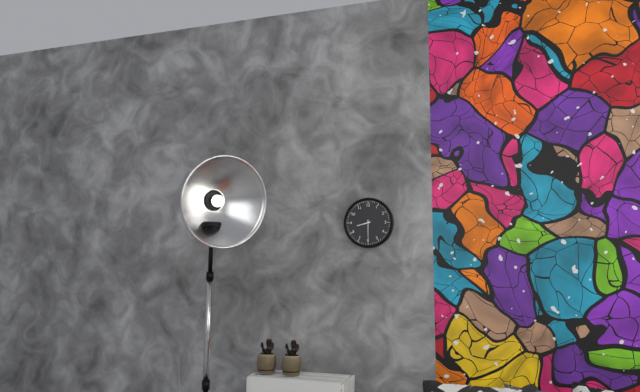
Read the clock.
8:30
